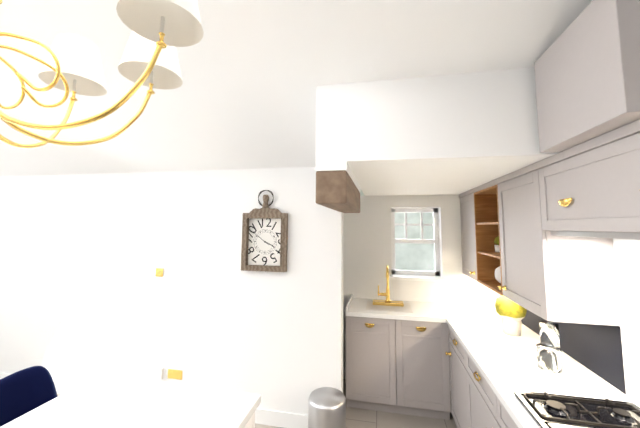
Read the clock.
3:51
